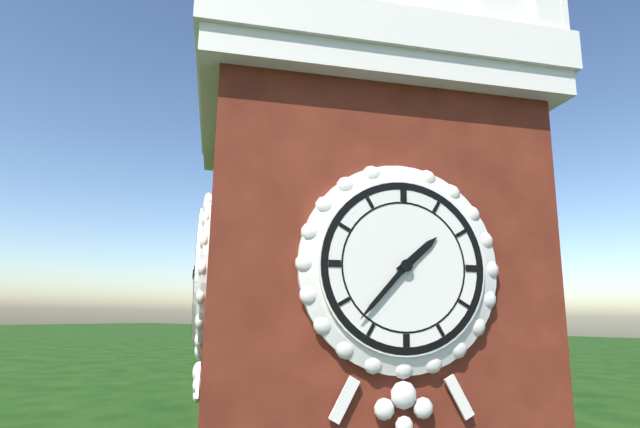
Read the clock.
1:37
